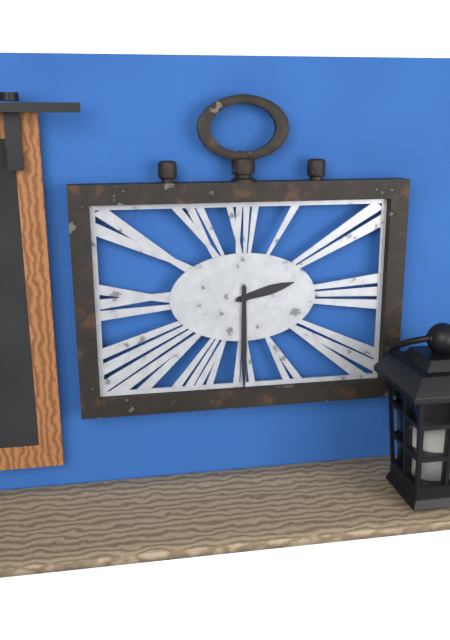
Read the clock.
2:30
